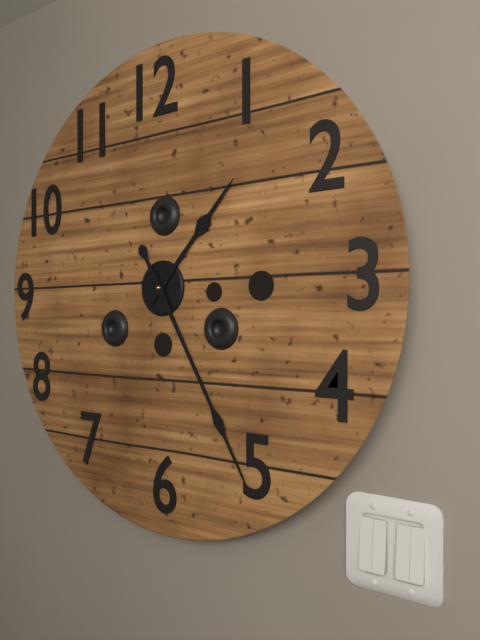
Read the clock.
1:25
